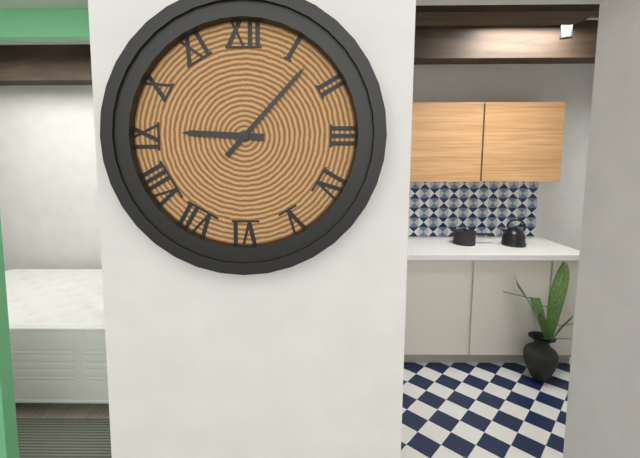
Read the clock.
9:07
